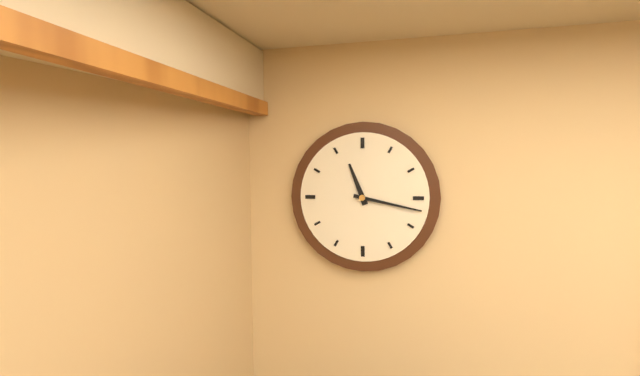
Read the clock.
11:17
